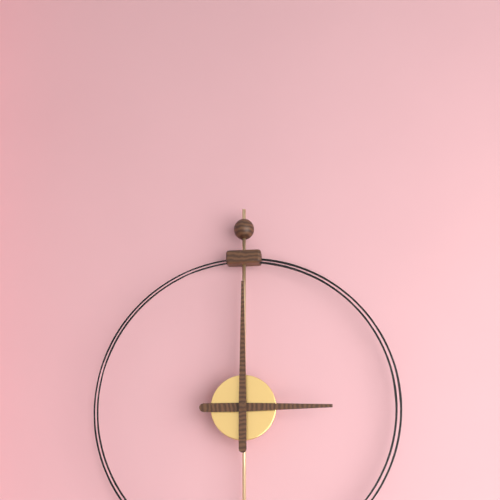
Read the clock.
3:00
